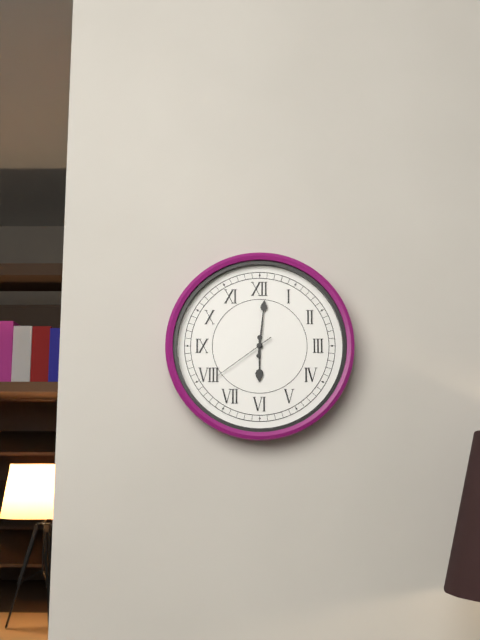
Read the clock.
6:01:39
